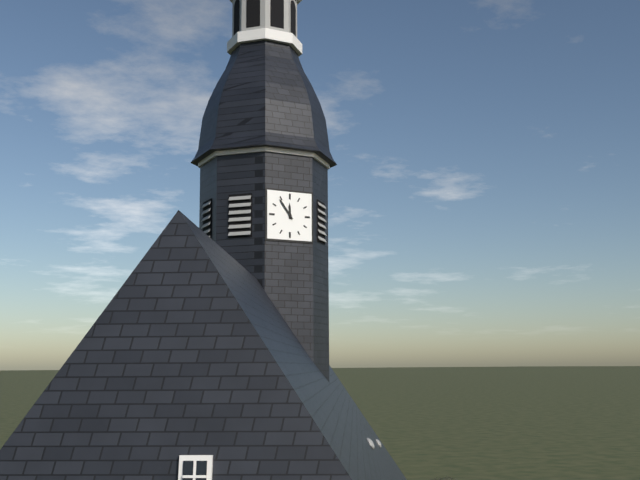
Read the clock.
11:54
